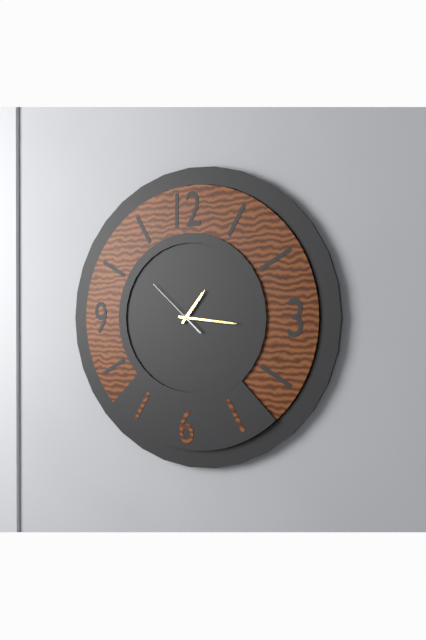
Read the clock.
1:16:52
